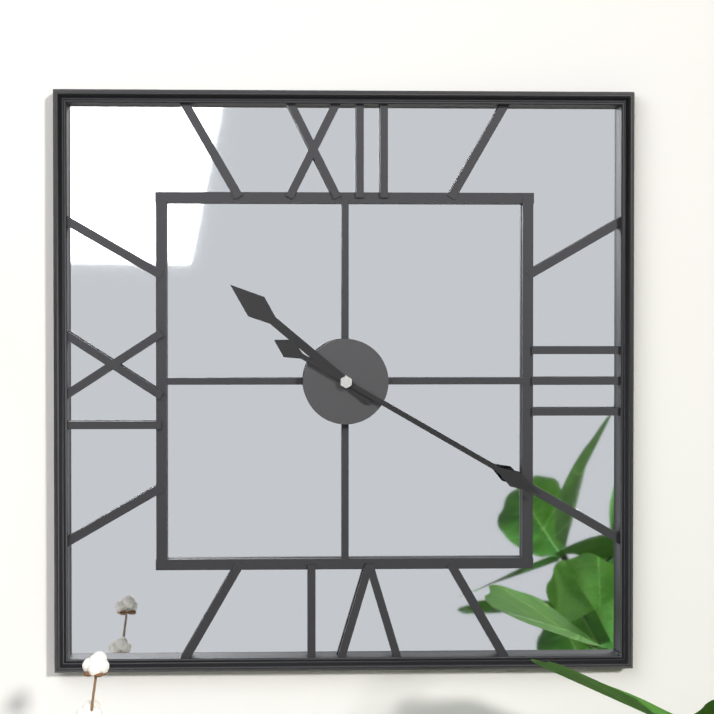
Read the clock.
10:20
